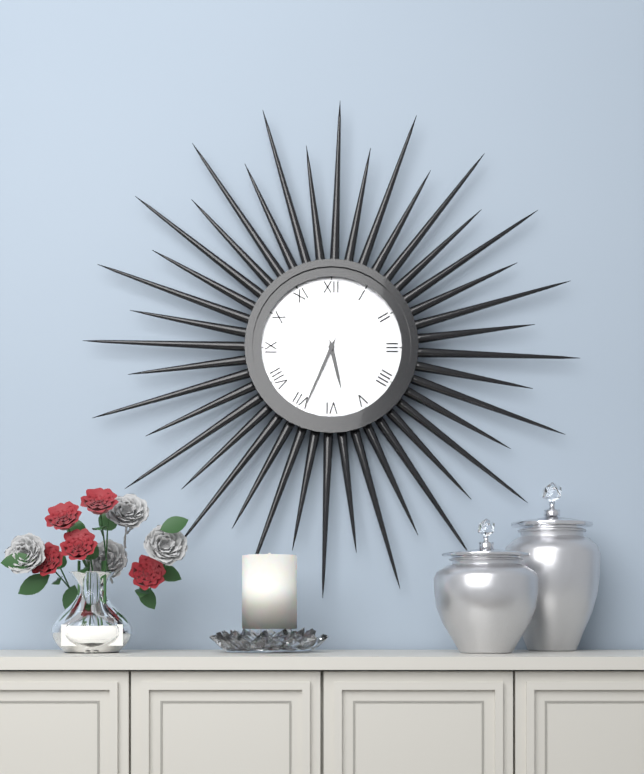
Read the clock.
5:34
